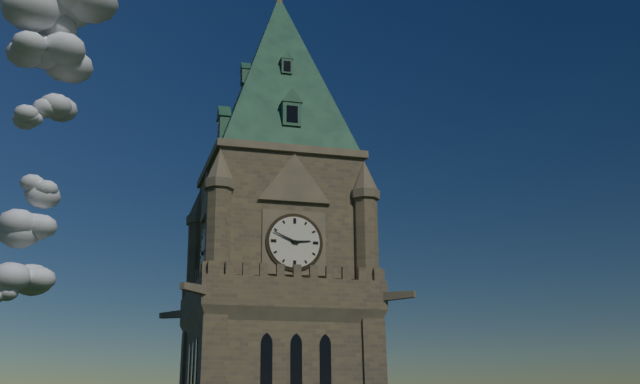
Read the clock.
2:49
